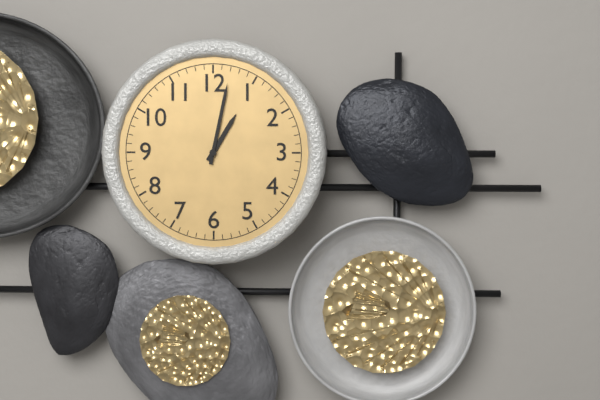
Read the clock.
1:02
